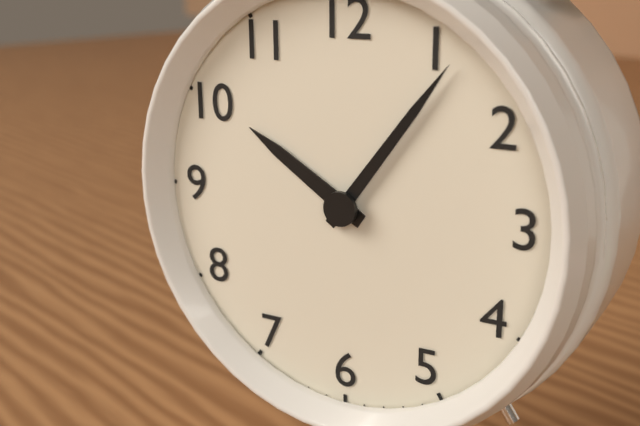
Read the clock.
10:06
